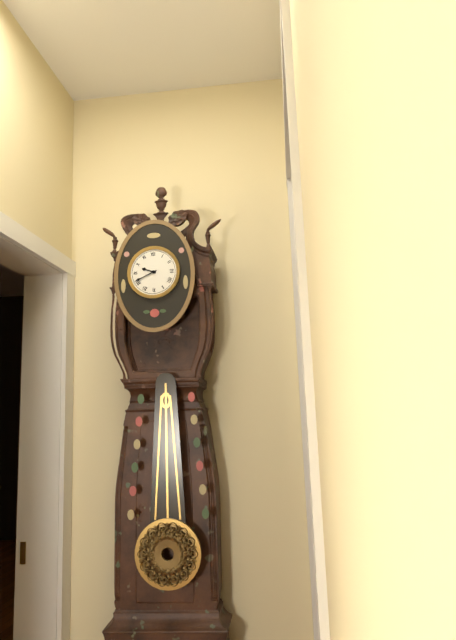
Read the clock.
9:41
